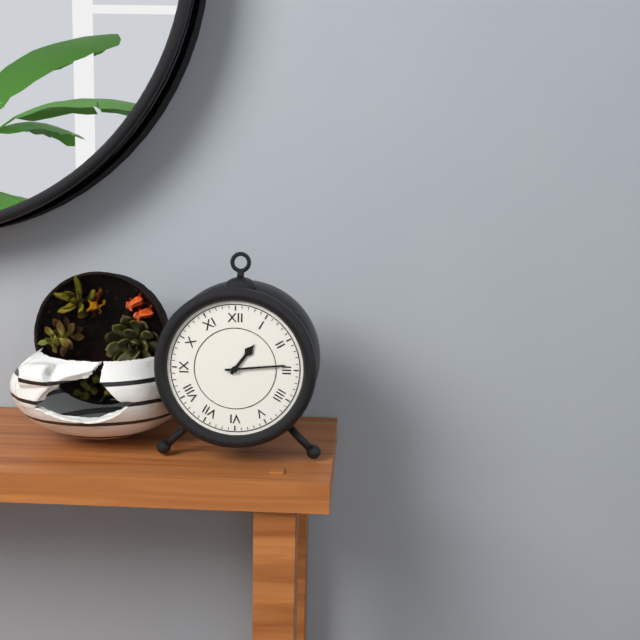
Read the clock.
1:14
